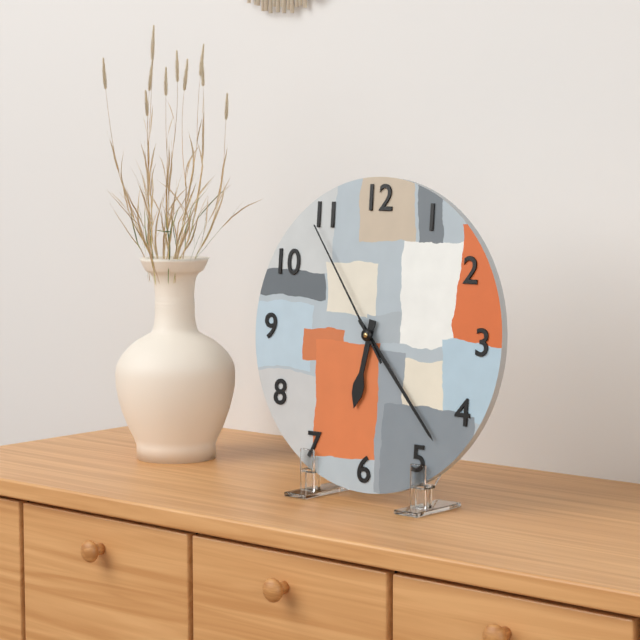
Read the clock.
6:23:54
